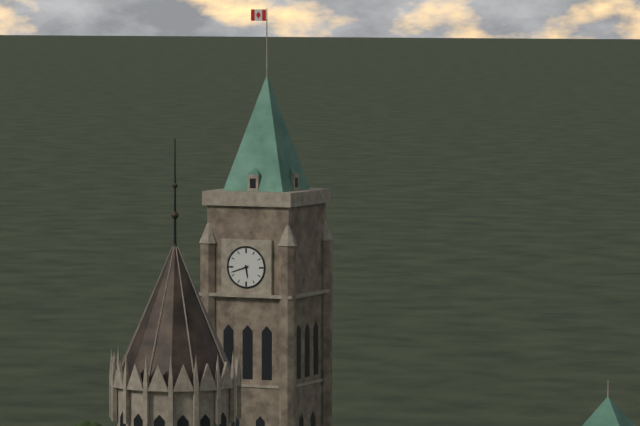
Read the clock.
5:42
